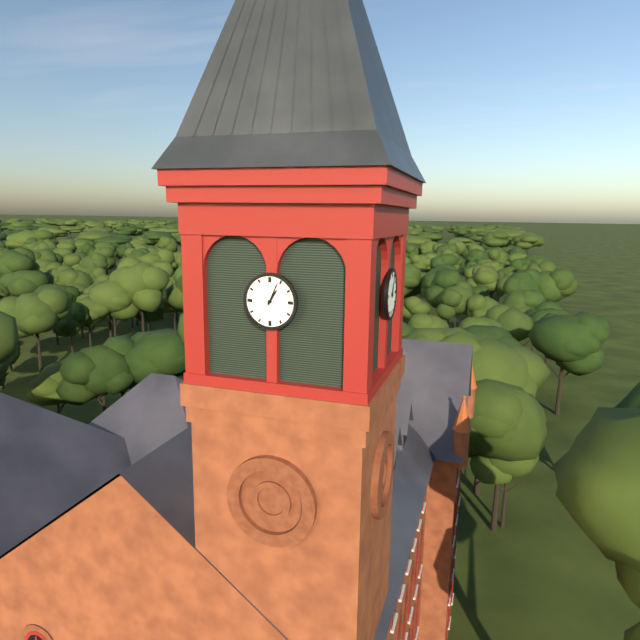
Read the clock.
1:04
